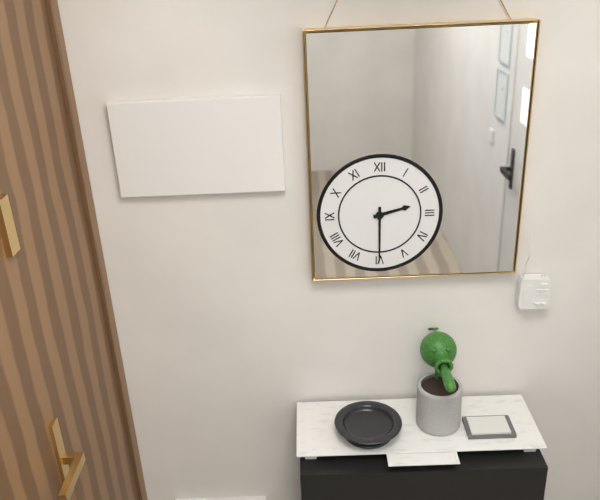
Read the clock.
2:30
